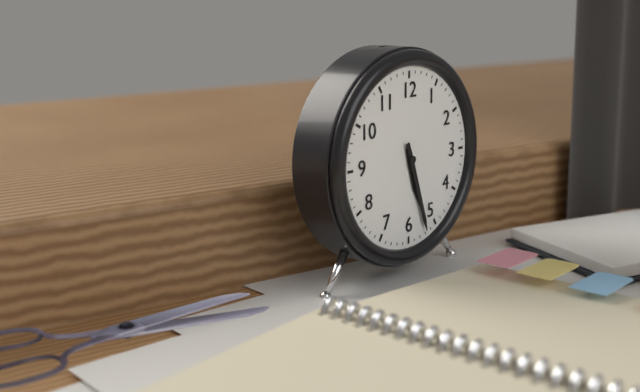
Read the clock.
5:27
